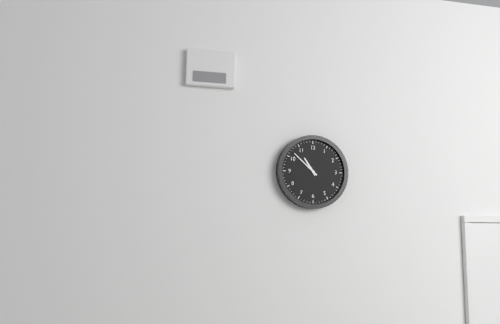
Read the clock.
10:52
